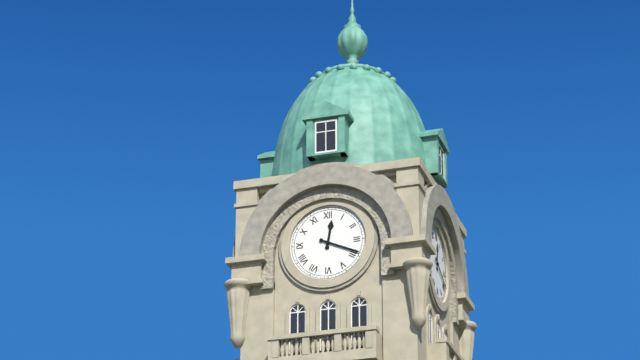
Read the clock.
12:19
